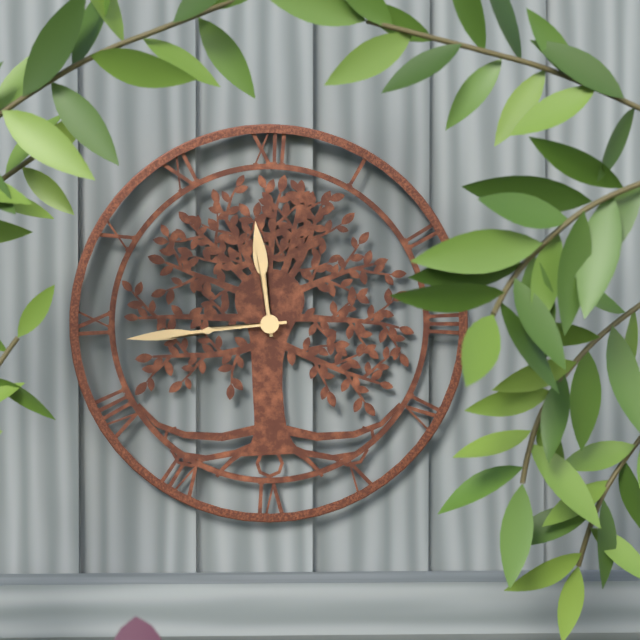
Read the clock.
11:44
